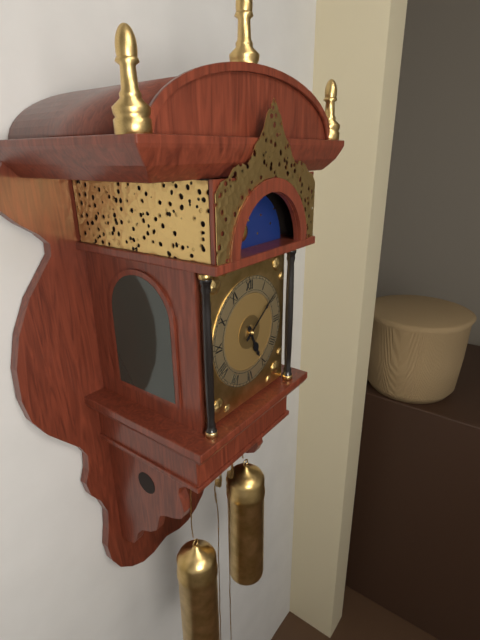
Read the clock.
5:09
